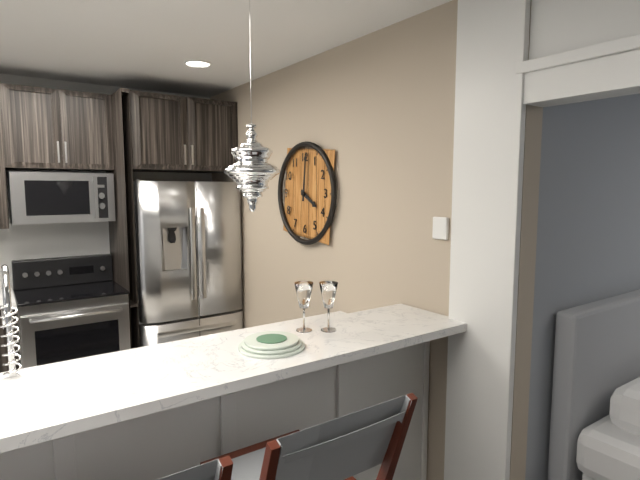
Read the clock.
4:01
